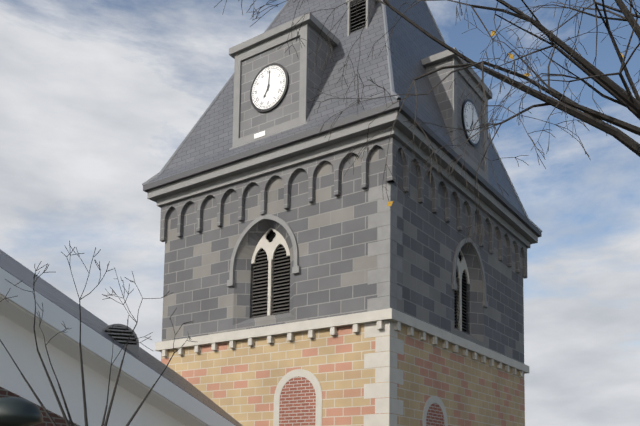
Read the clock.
7:01
